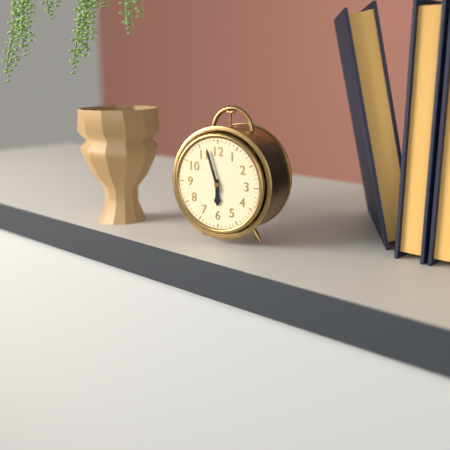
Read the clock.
5:57
